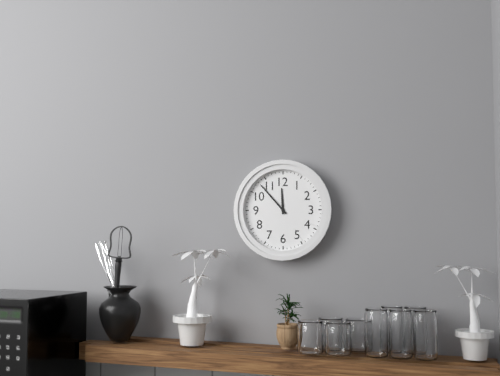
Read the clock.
11:53
